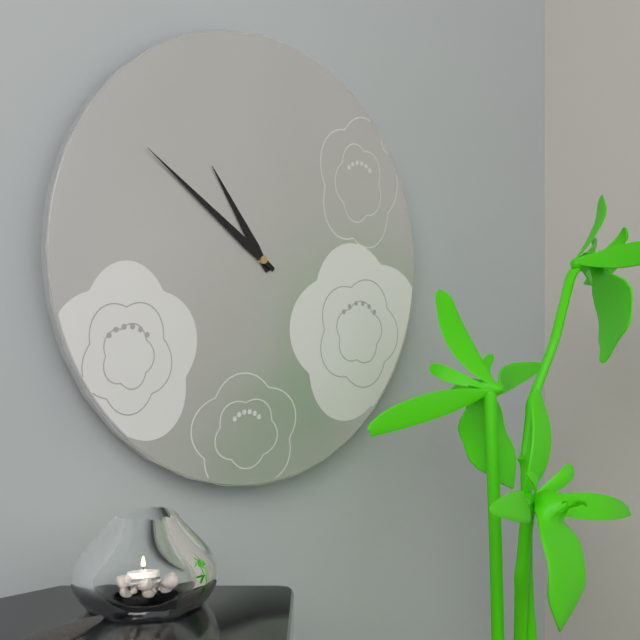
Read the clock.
10:51
